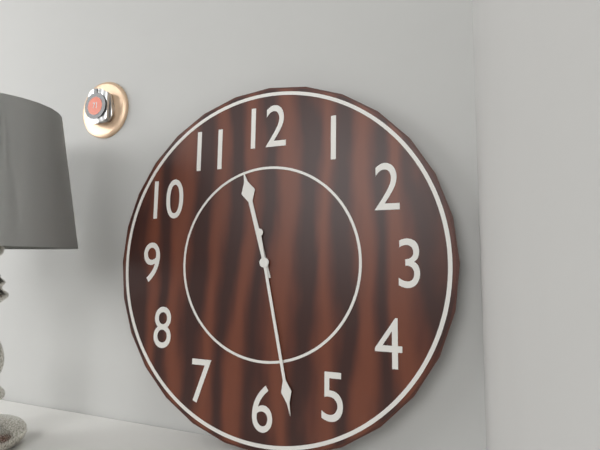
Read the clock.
11:28
